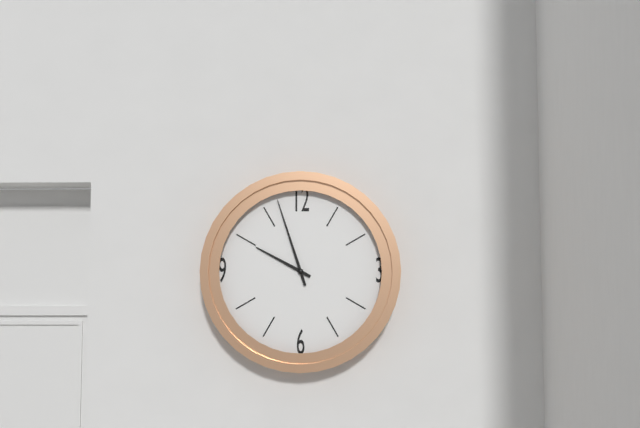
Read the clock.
9:57
